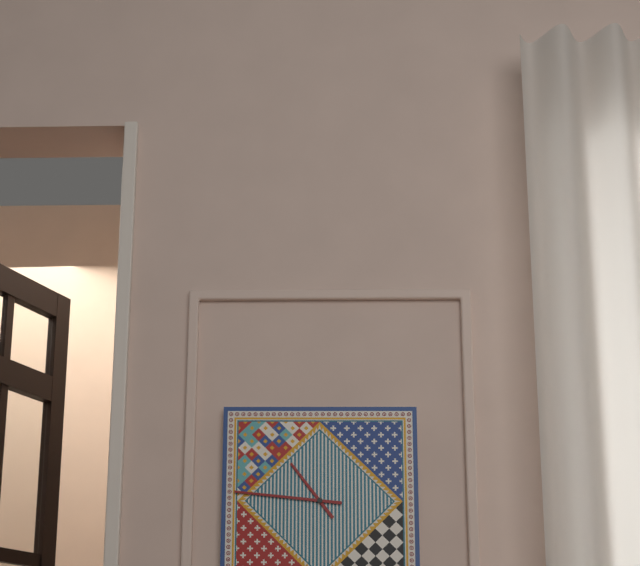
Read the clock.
10:46
